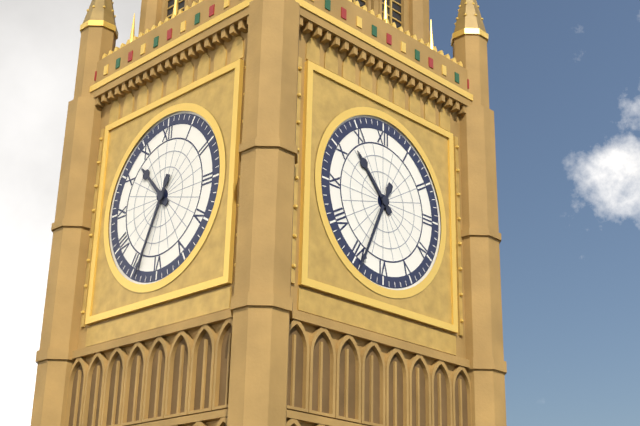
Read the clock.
10:34
